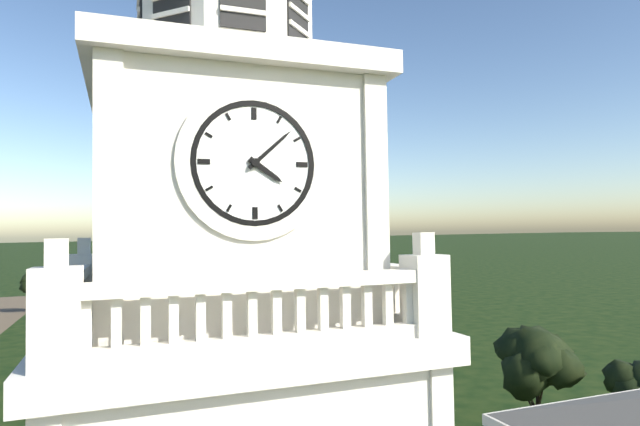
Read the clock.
4:08
